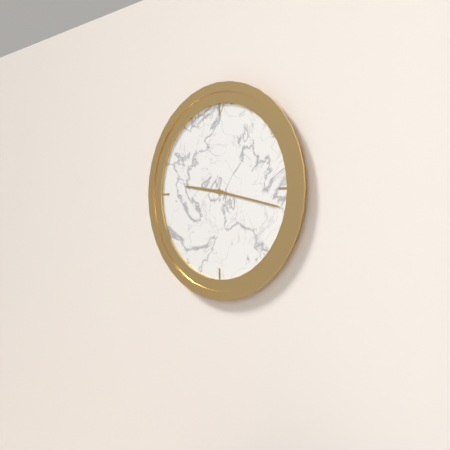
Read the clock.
9:17
